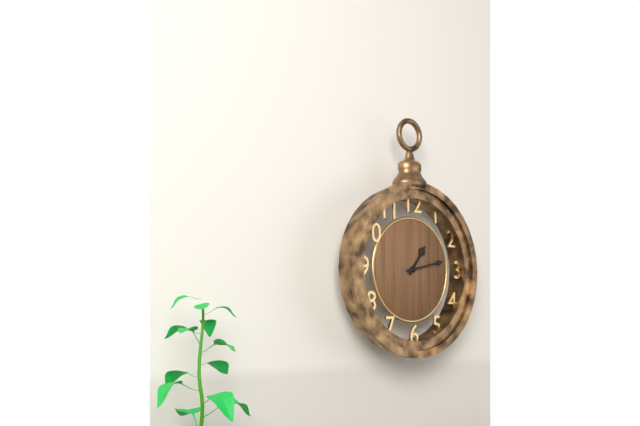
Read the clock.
1:13
